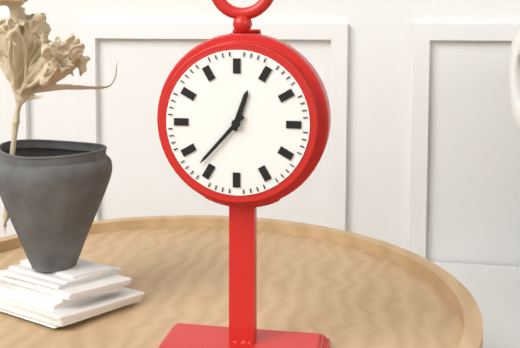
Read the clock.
12:37
